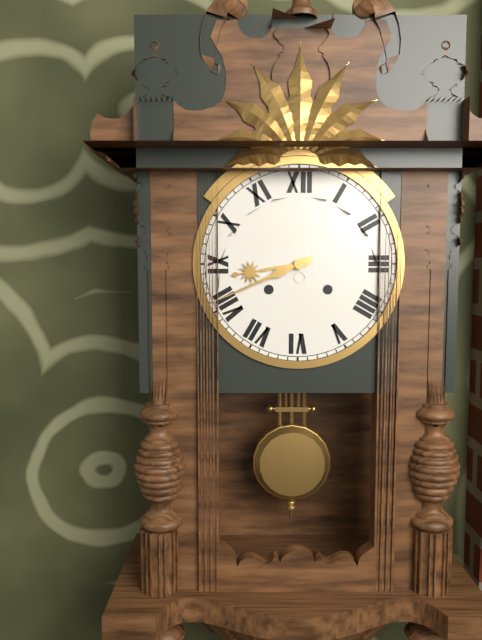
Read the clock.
8:41
